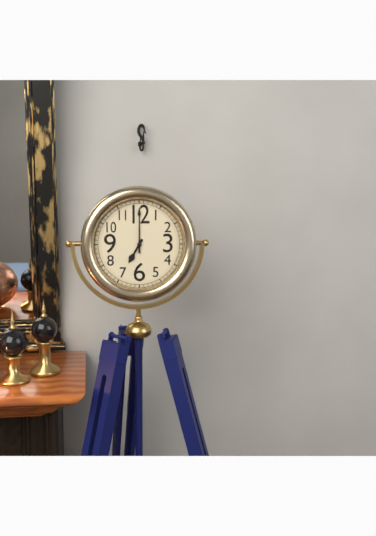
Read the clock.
7:00
